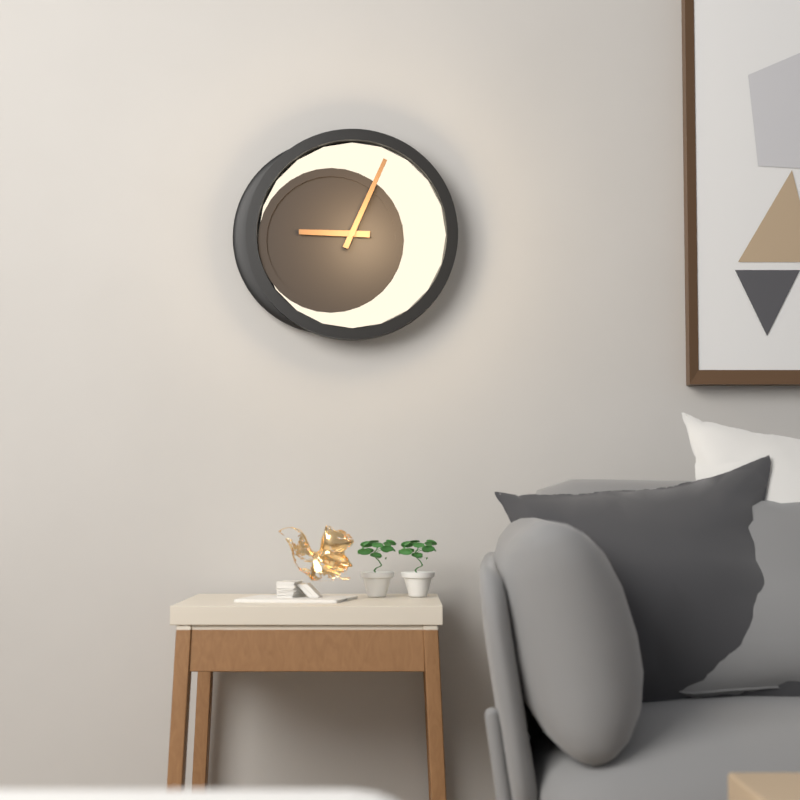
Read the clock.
9:04
